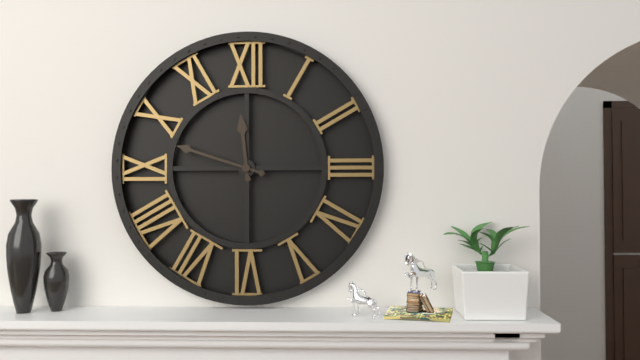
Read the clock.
11:48
